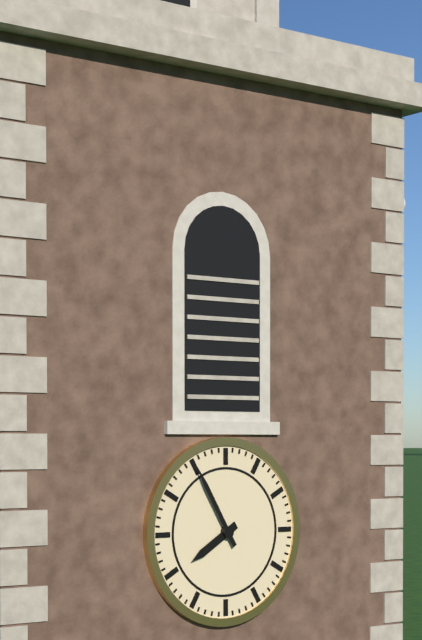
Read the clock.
7:55
